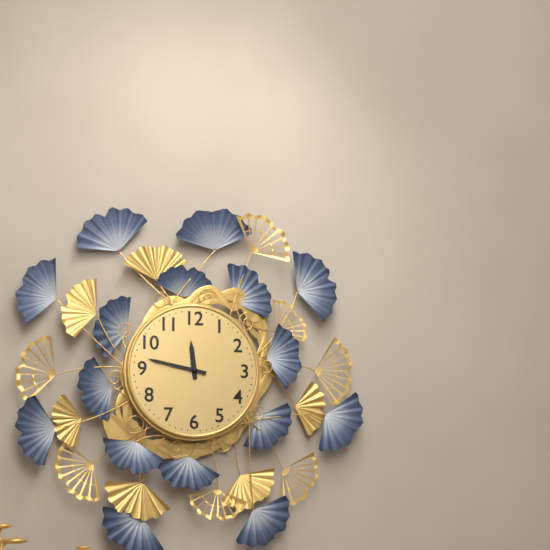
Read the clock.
11:47
